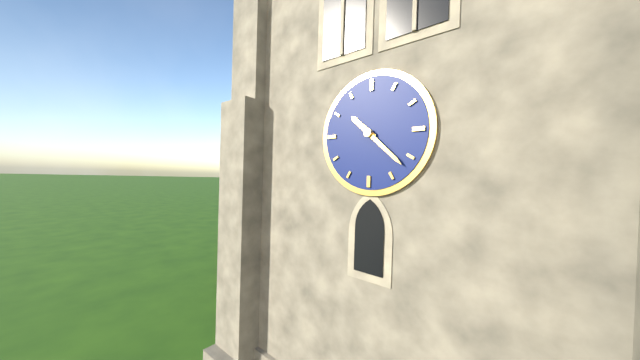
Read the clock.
10:22
